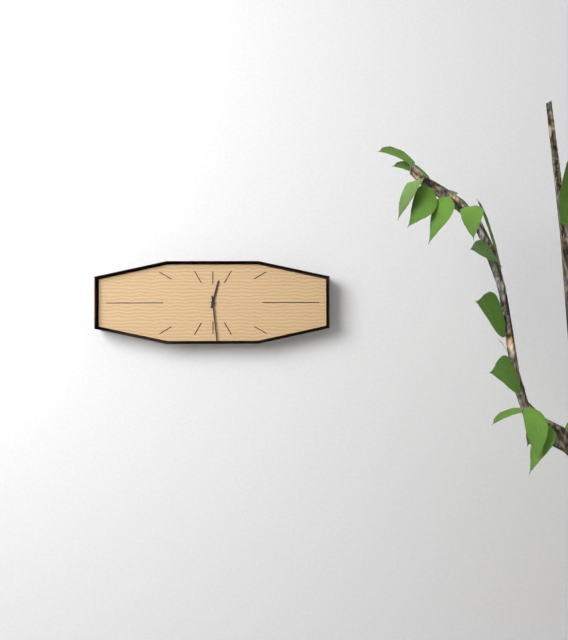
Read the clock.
12:29
